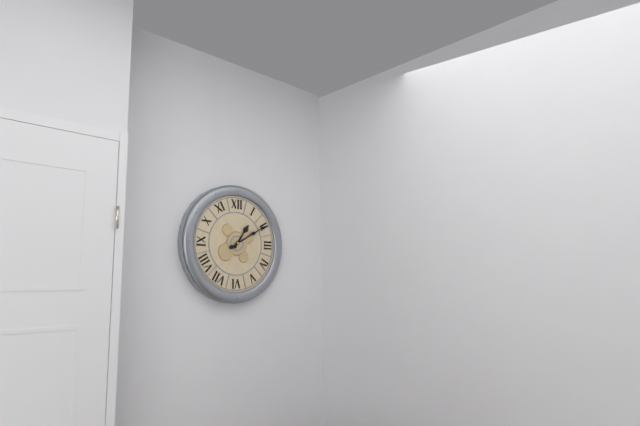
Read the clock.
1:10
